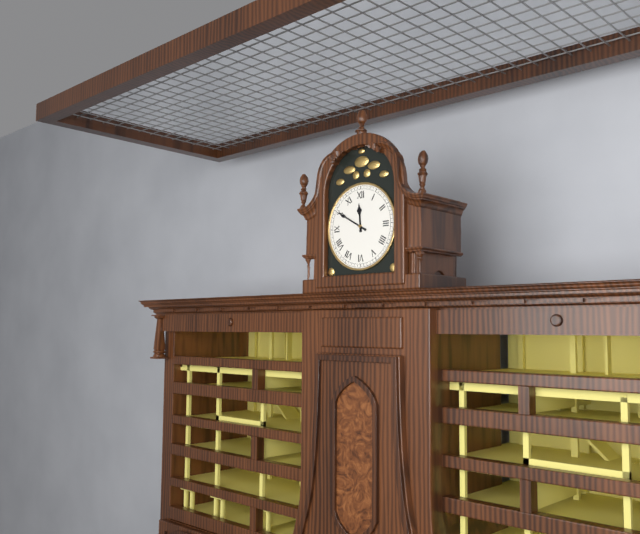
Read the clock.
11:50
